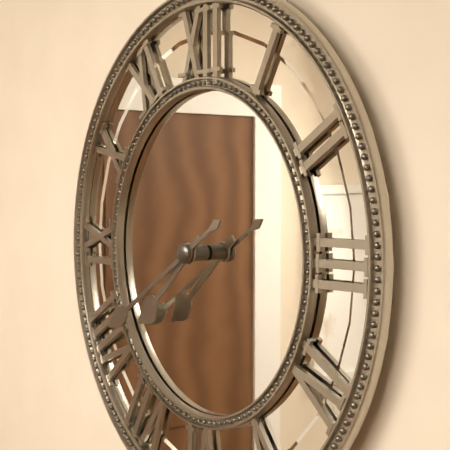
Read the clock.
7:40
